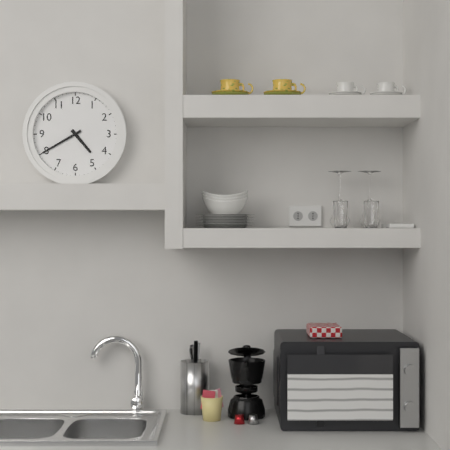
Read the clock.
4:40
